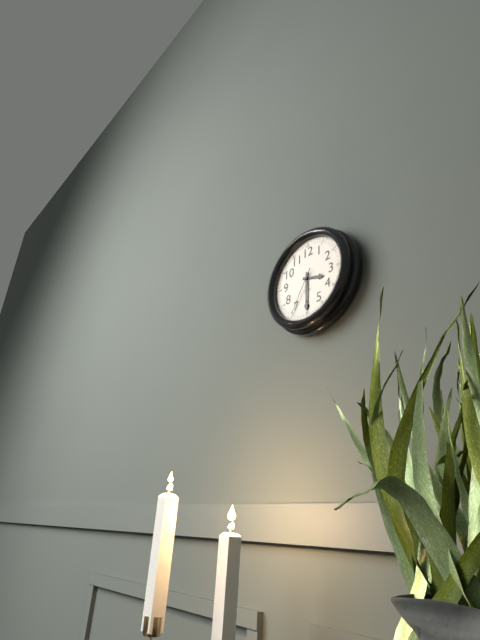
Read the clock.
3:30
